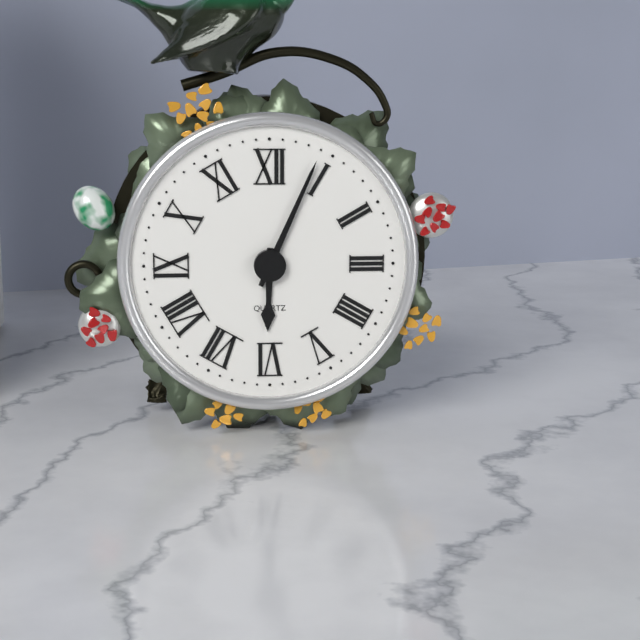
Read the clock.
6:04
